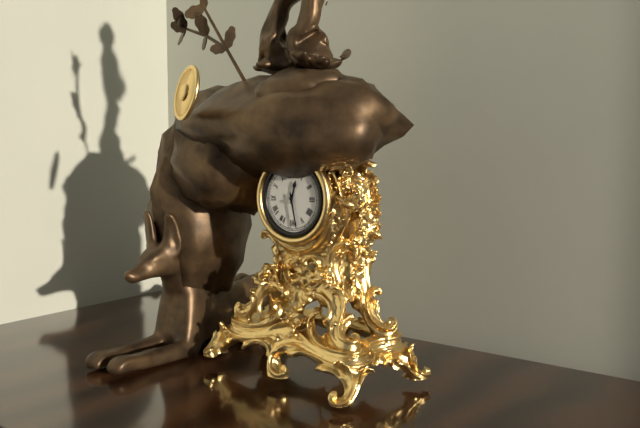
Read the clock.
12:28
